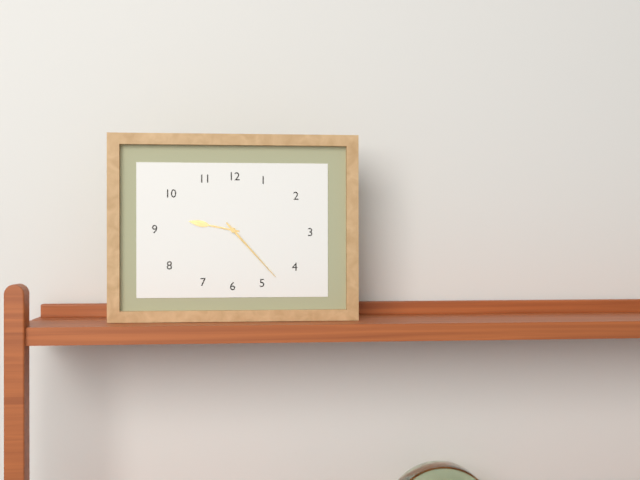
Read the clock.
9:23
